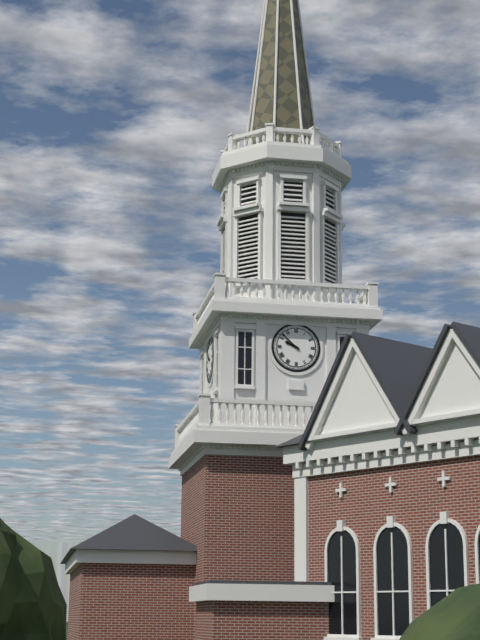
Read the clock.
9:52
